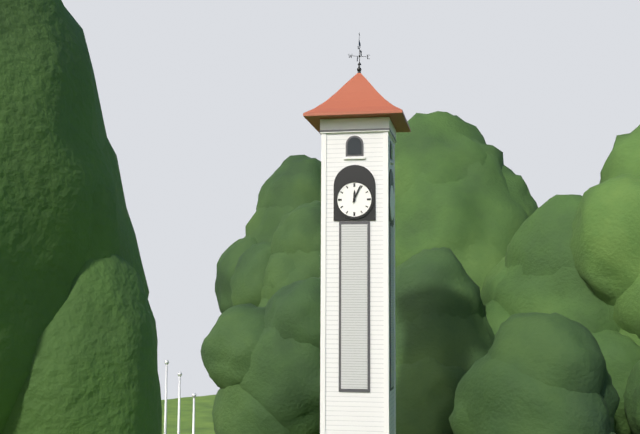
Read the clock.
12:04
